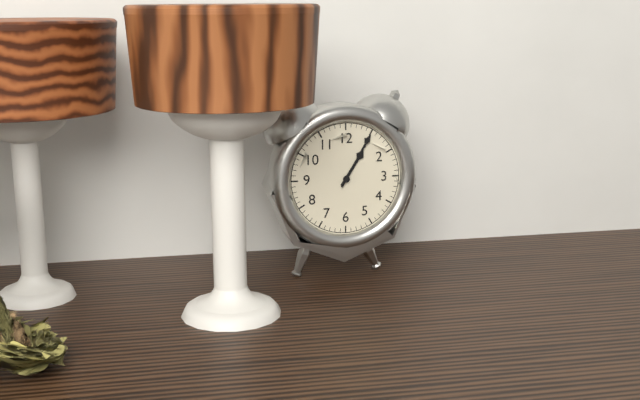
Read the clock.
1:05
